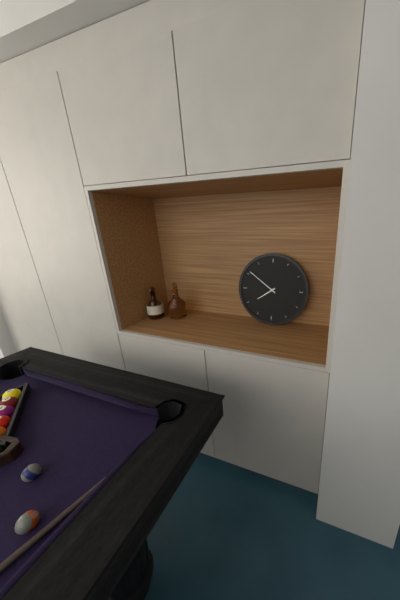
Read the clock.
7:51
